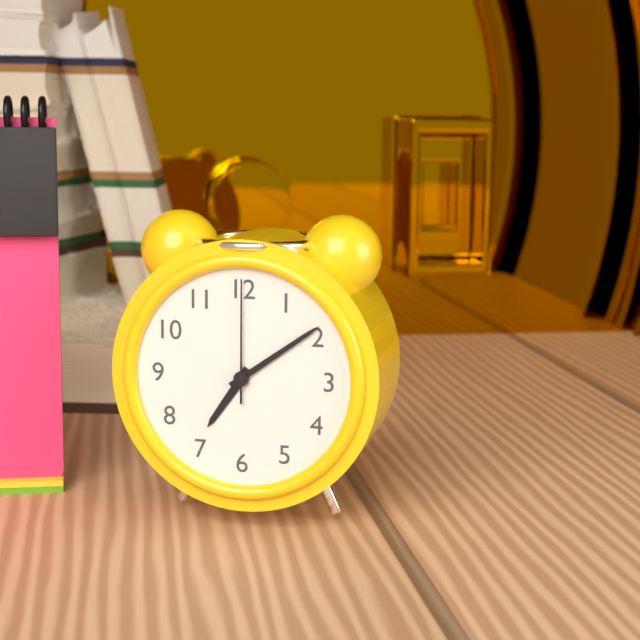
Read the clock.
7:09:00
